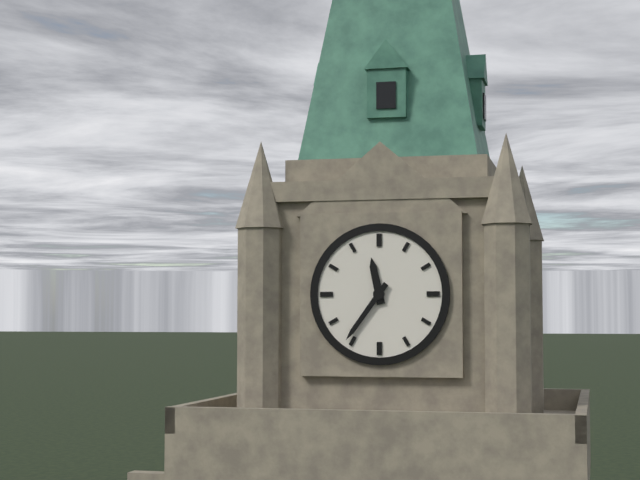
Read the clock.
11:36
